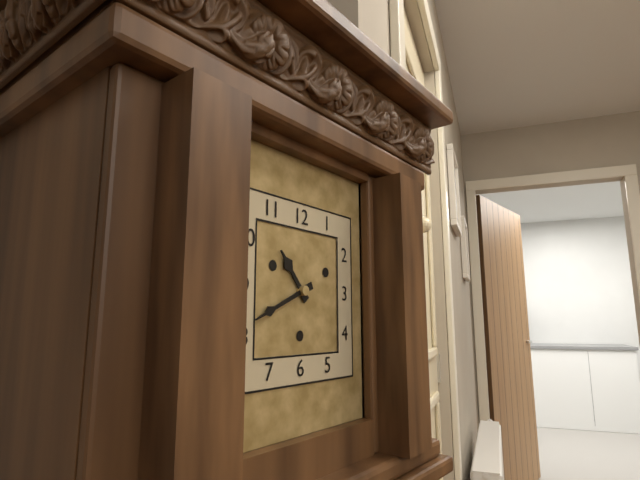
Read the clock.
10:41
